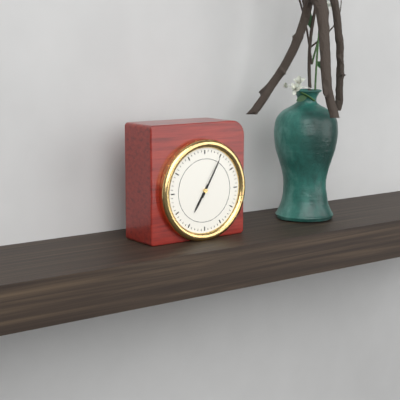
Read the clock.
7:05
